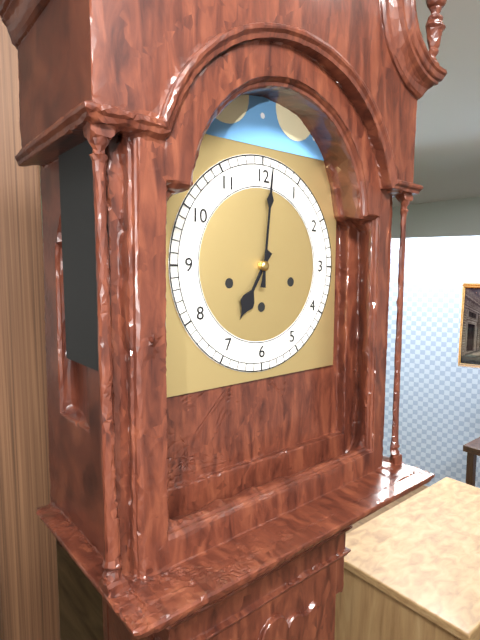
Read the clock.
7:01
